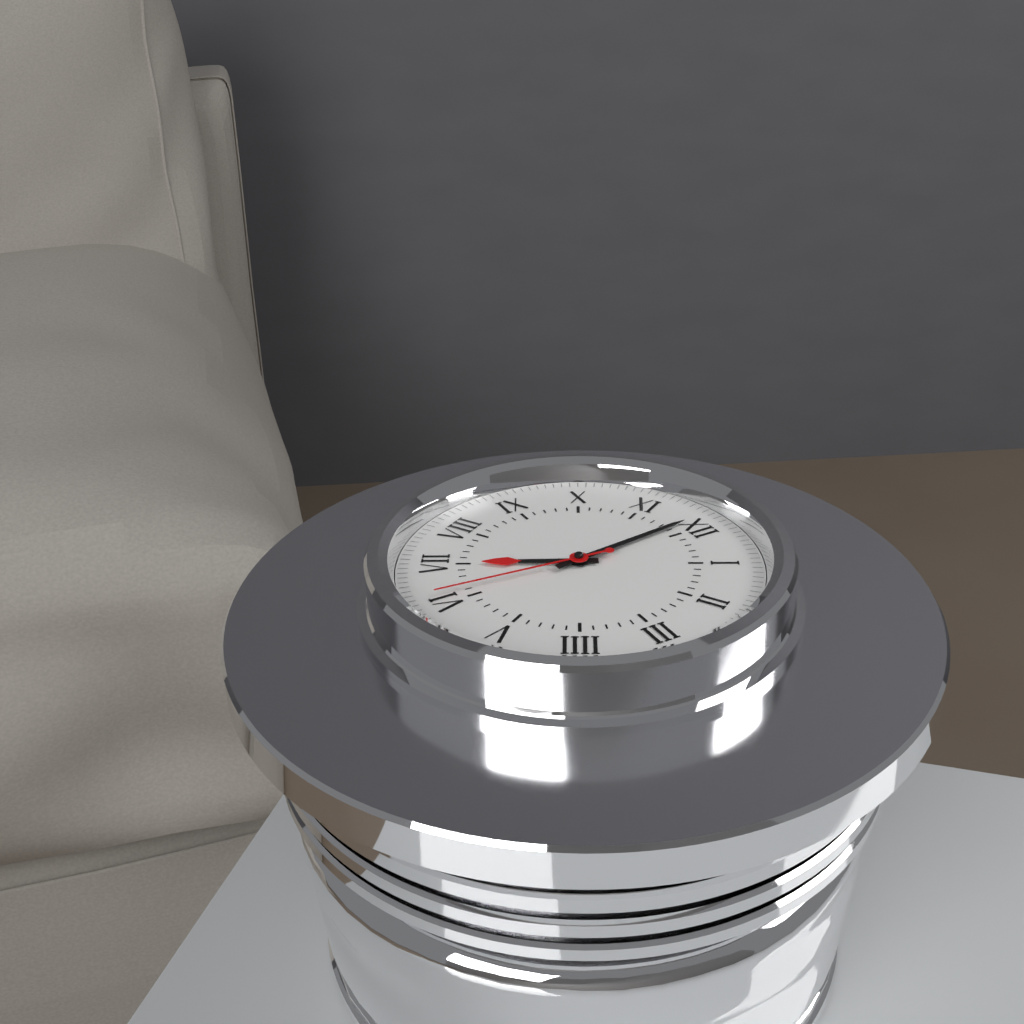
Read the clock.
6:59:31
